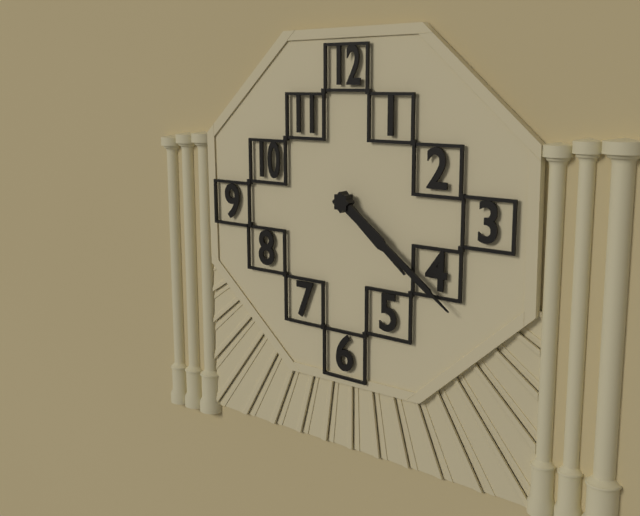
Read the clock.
4:21
